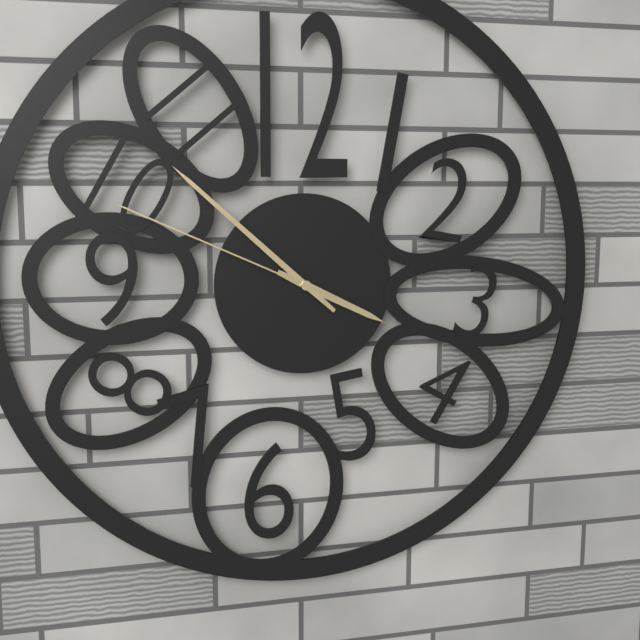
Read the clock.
3:52:49
